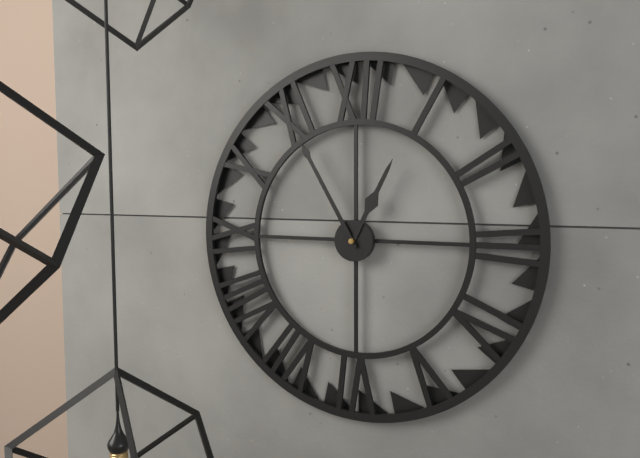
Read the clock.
12:55
